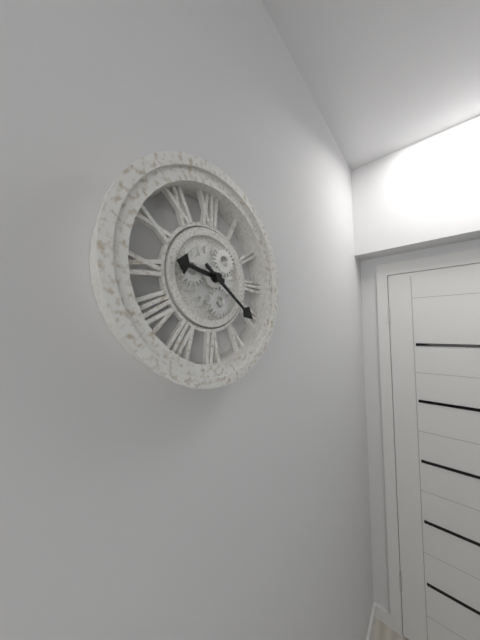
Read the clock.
9:21
